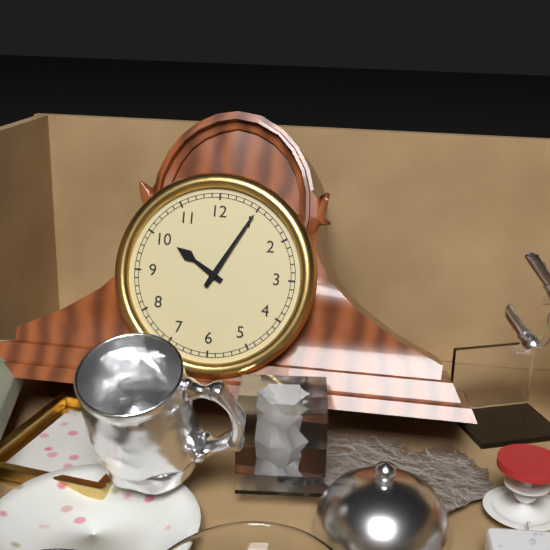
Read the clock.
10:05
